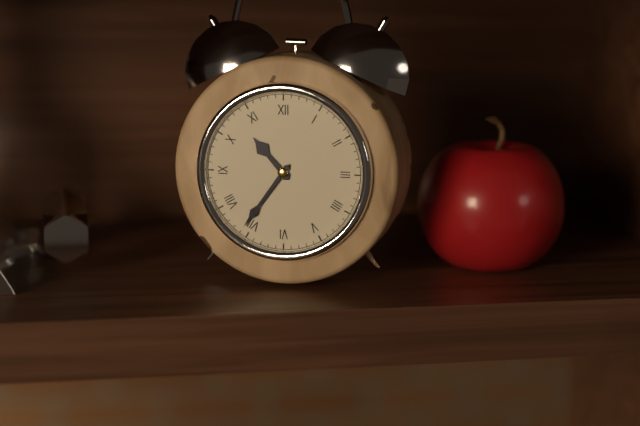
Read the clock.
10:36
